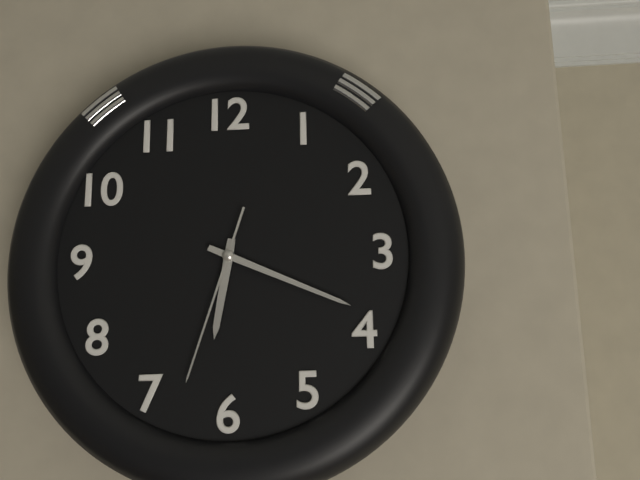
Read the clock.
6:19:33
